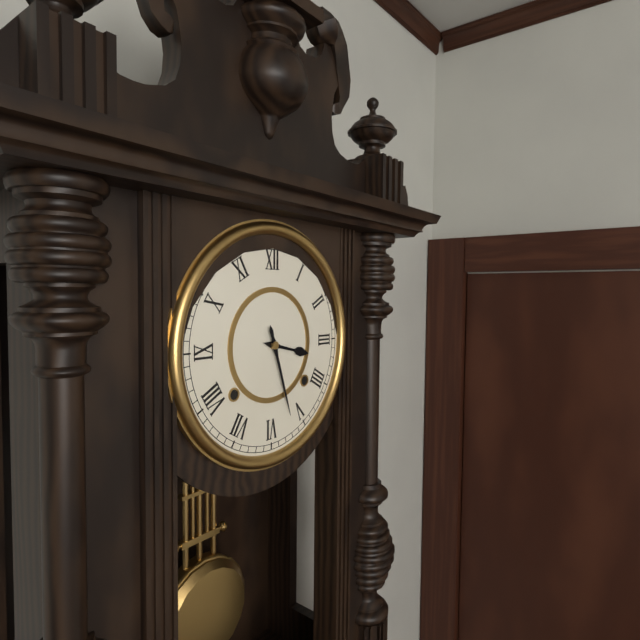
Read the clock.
3:27
